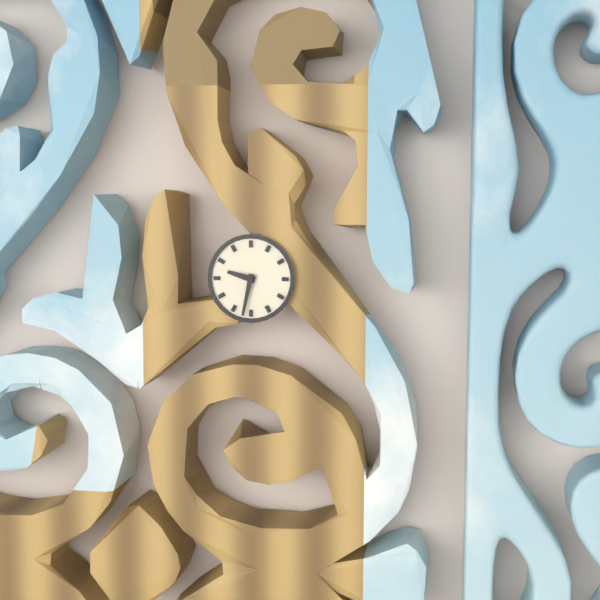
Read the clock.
9:32
